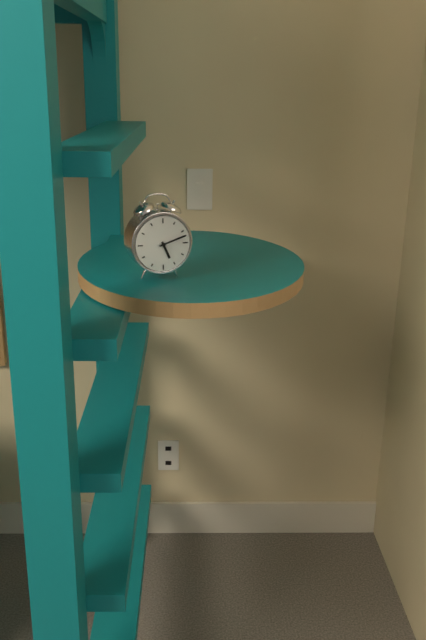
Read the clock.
5:12
